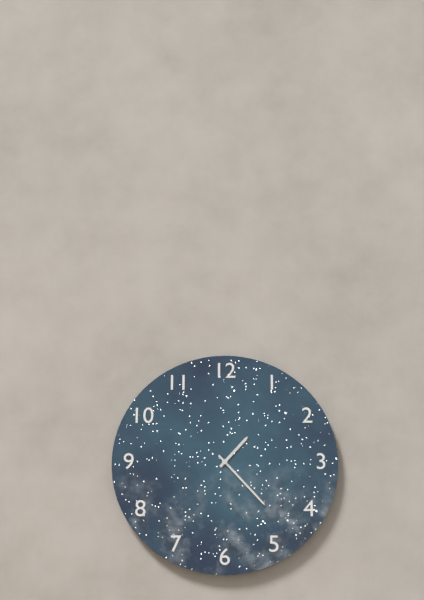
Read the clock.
1:23
